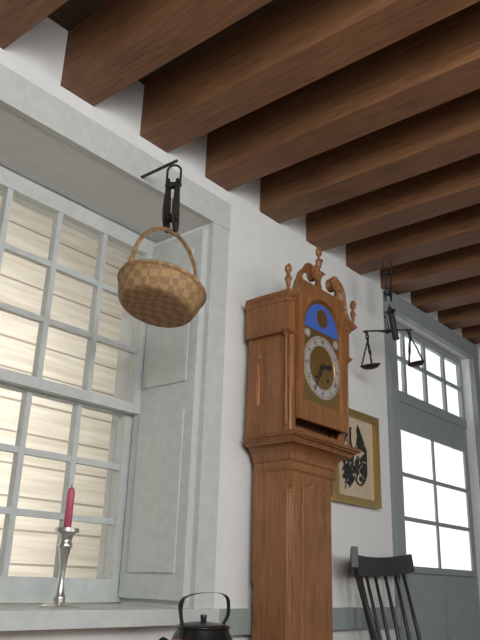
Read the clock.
2:35
